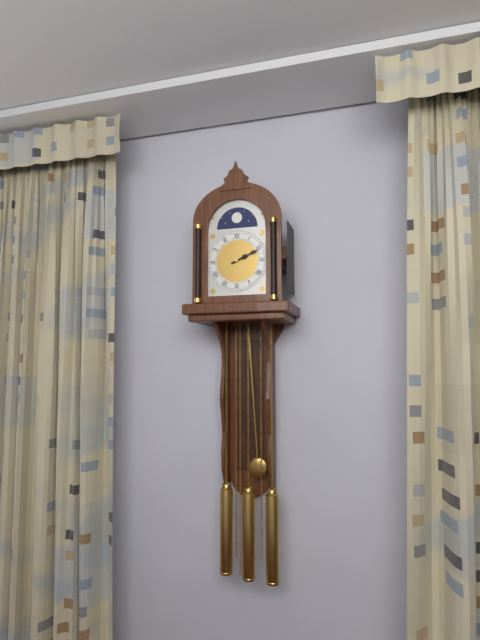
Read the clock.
2:11
